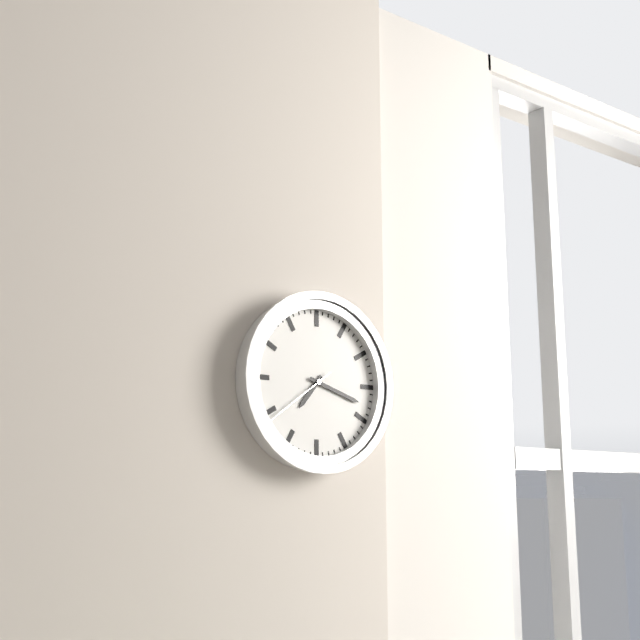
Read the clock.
7:18:39
